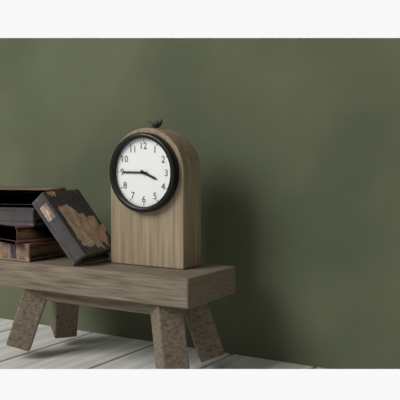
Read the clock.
3:45
